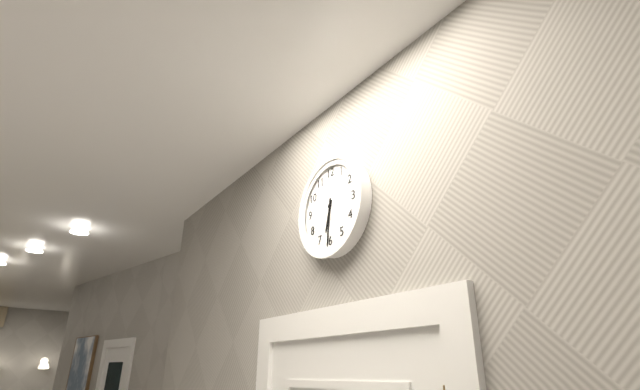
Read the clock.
6:31
